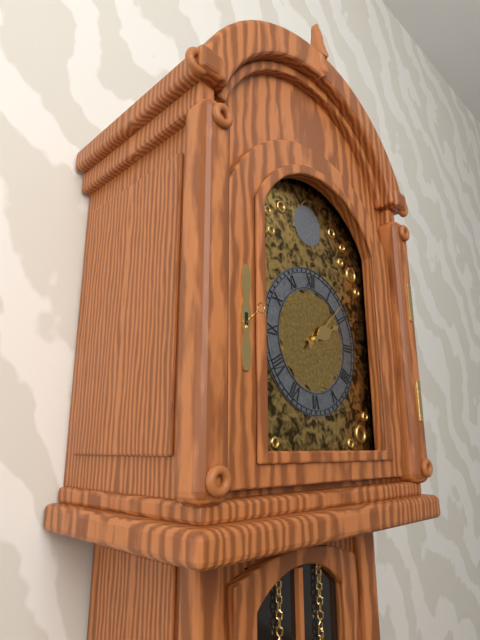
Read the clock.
2:08
